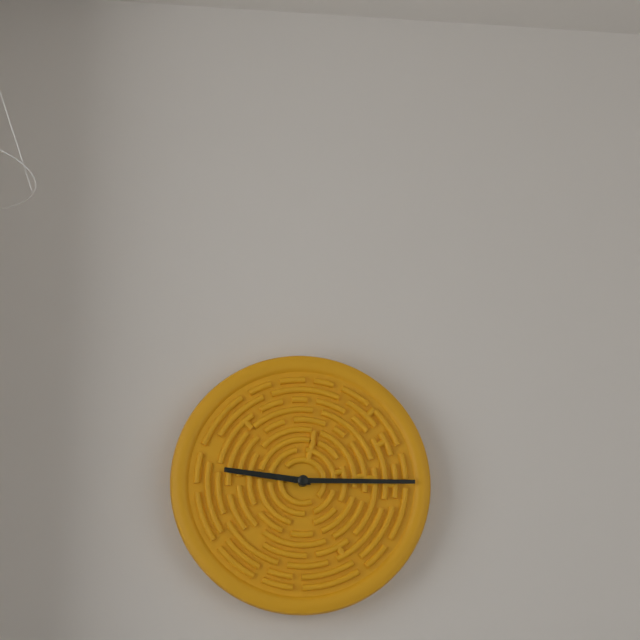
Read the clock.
9:15
